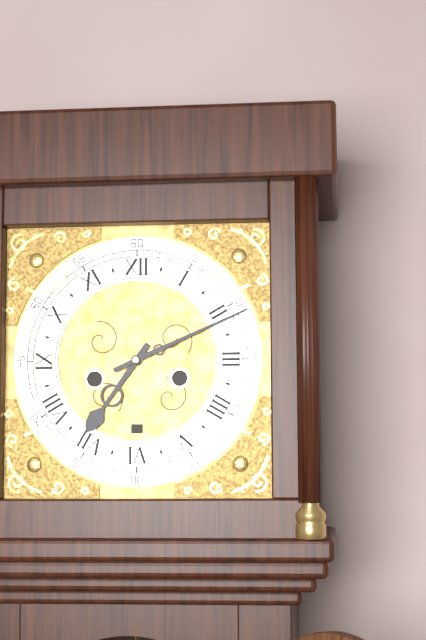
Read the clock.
7:11
